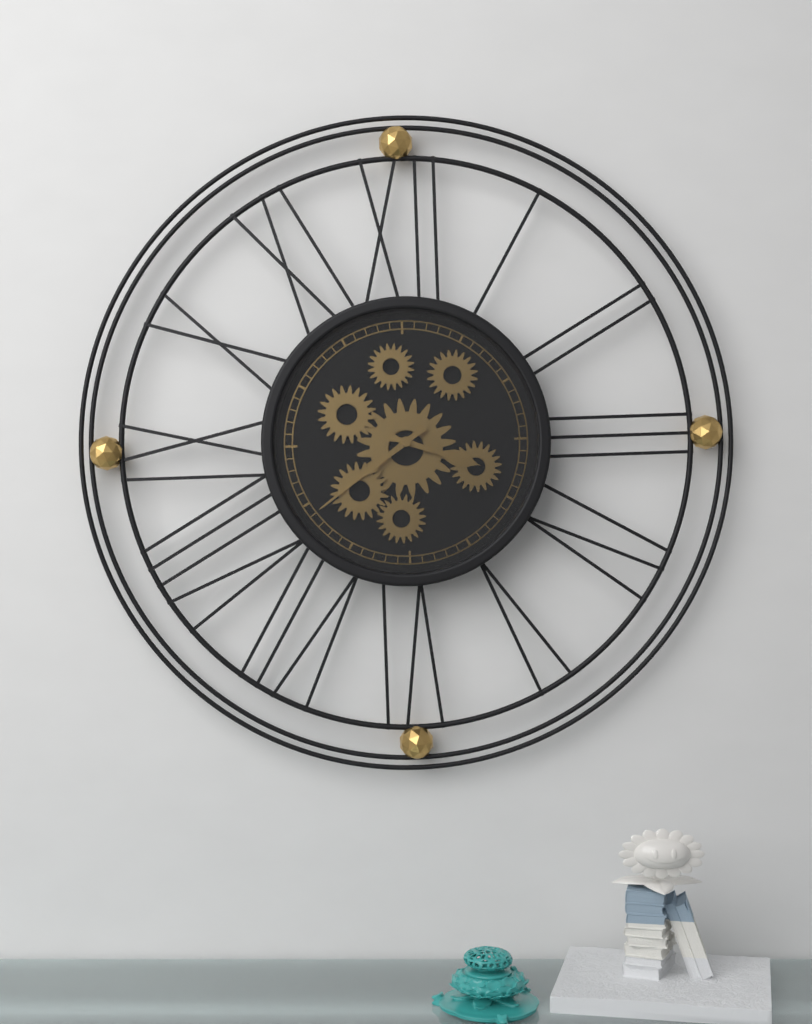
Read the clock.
3:39
